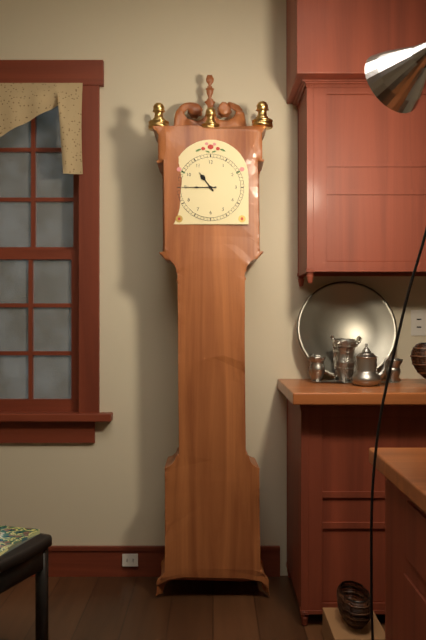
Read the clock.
10:45
